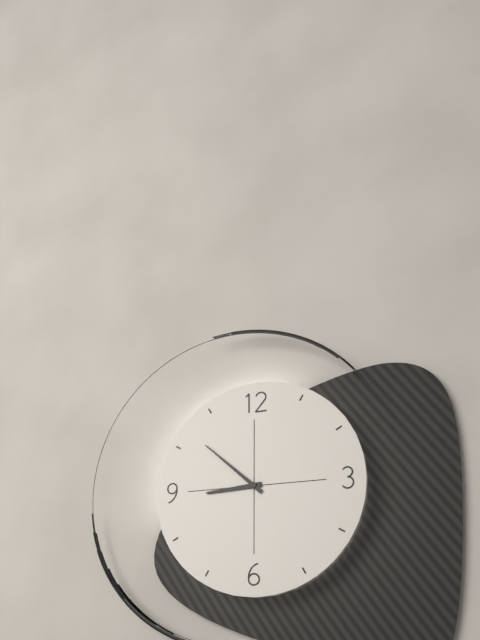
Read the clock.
8:52
